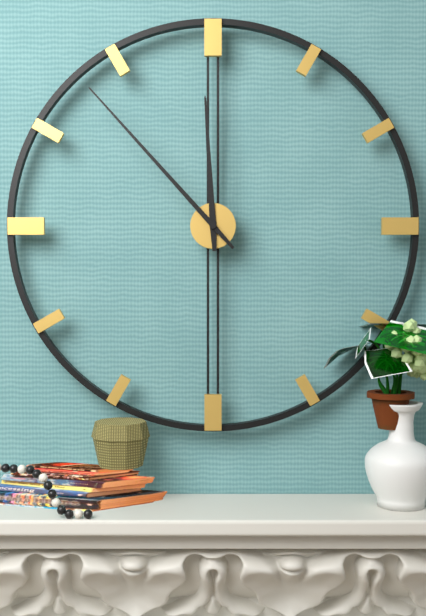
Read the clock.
11:53
